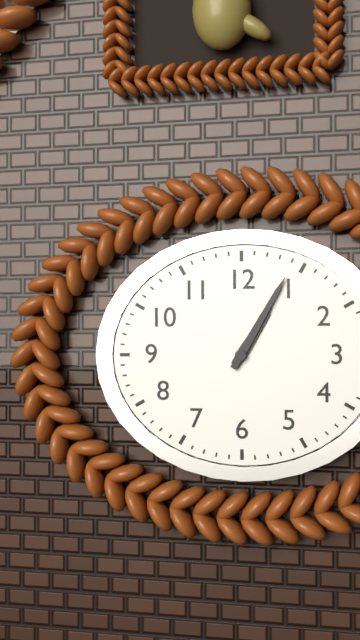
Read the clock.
1:05
